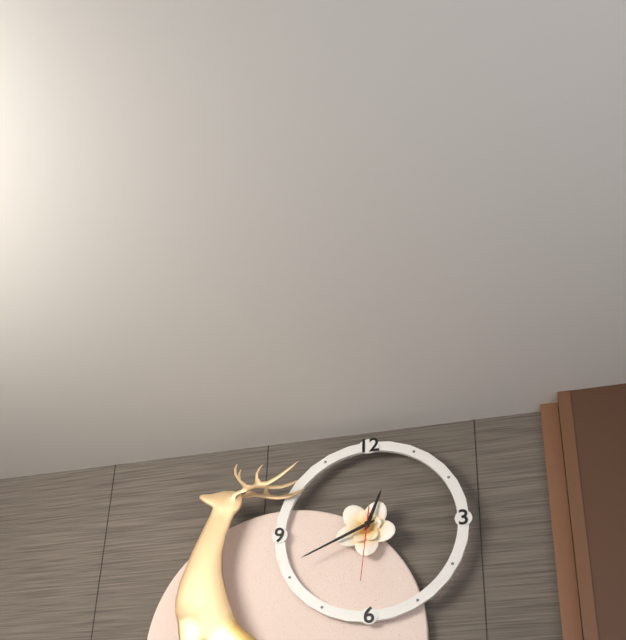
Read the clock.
12:41:31
